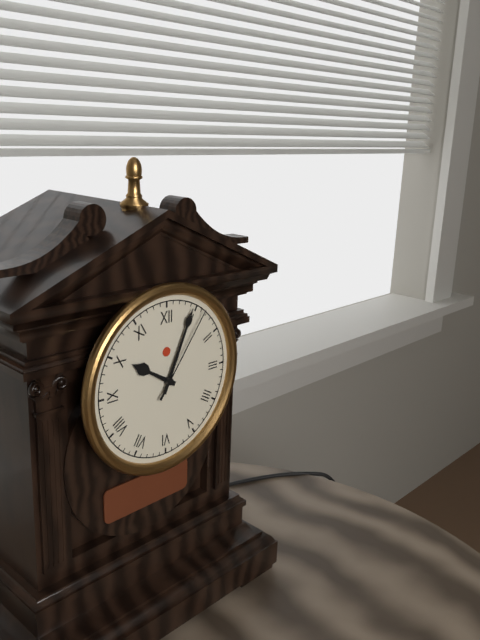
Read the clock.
10:04:06
